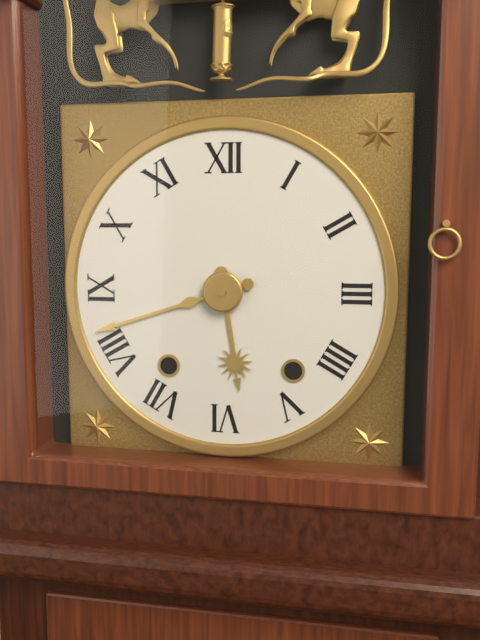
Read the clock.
5:42
